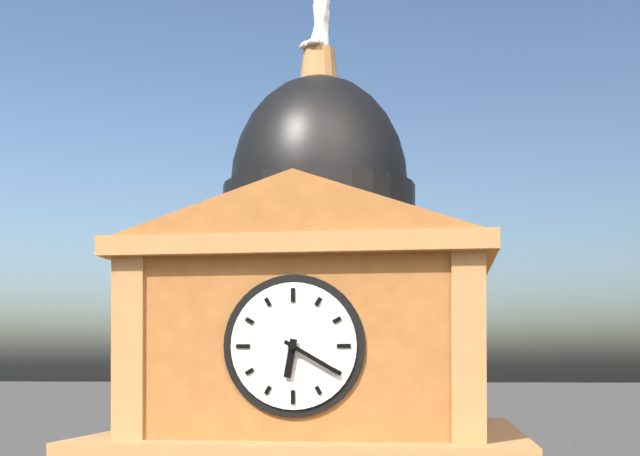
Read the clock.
6:20
